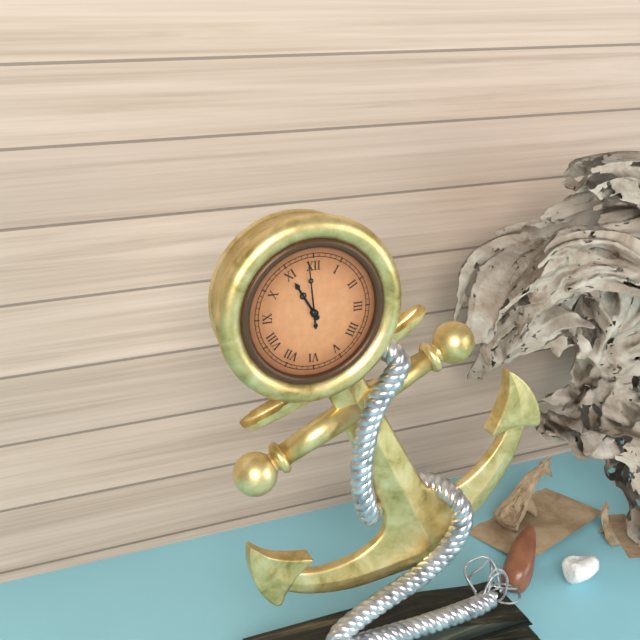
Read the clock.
10:59
